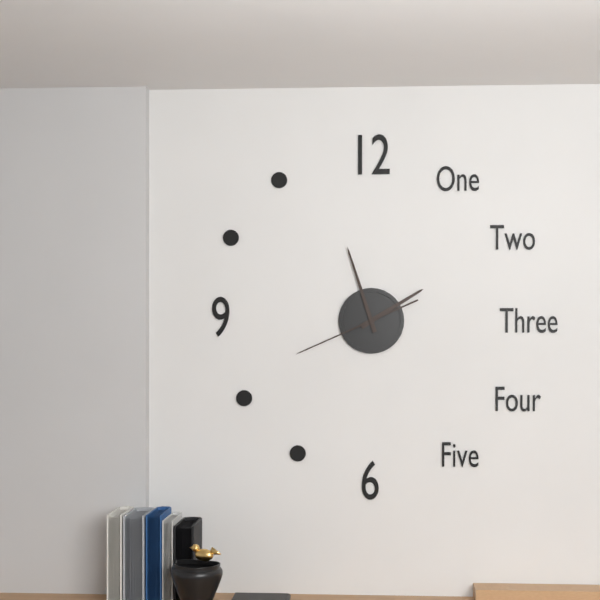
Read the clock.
1:57:41
